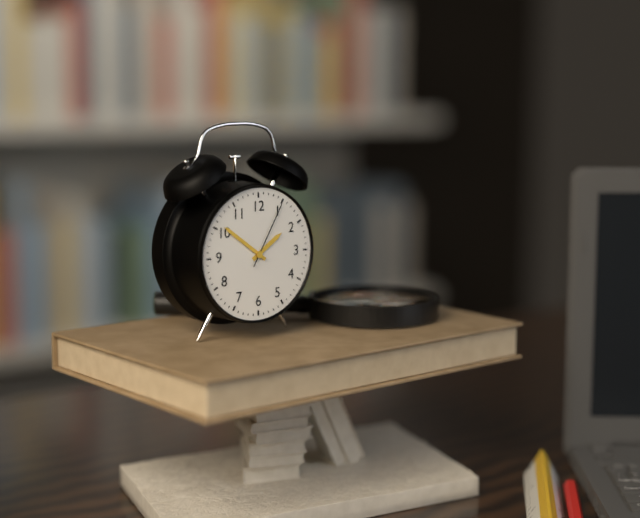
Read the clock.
1:51:05
